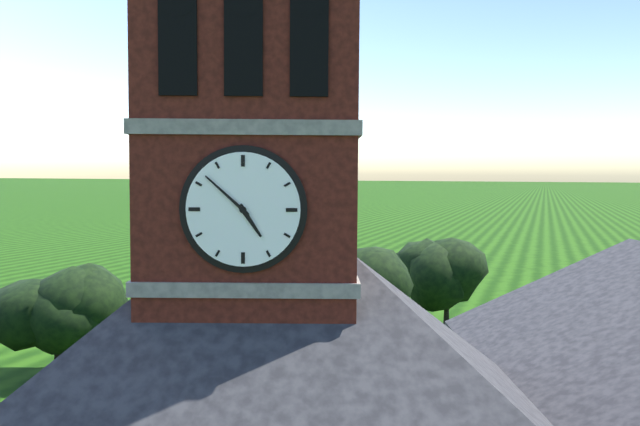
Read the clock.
4:52
